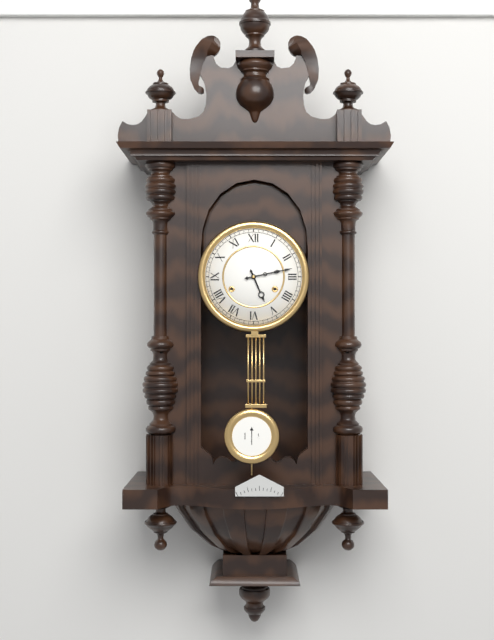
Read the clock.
5:13
